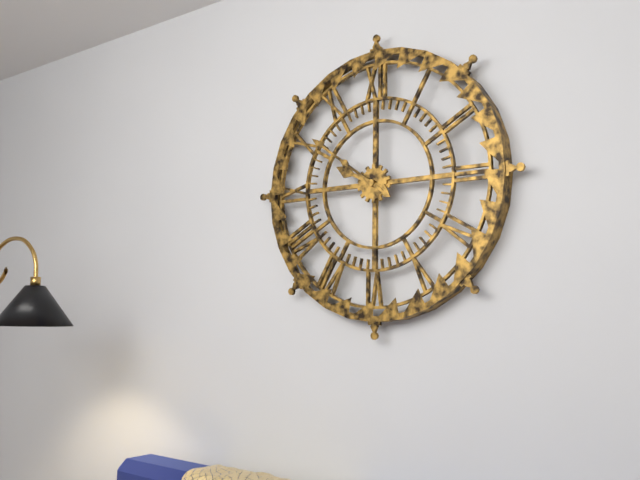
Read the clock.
9:51
